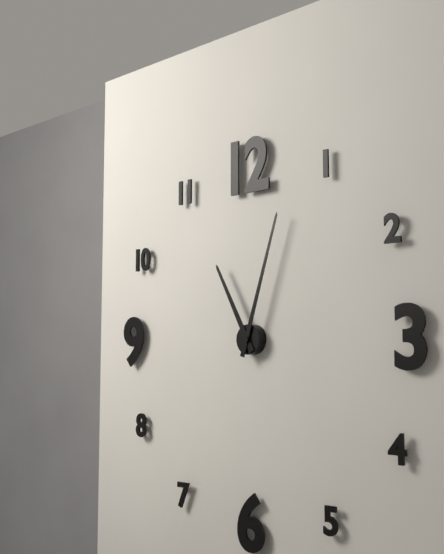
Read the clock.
11:03
